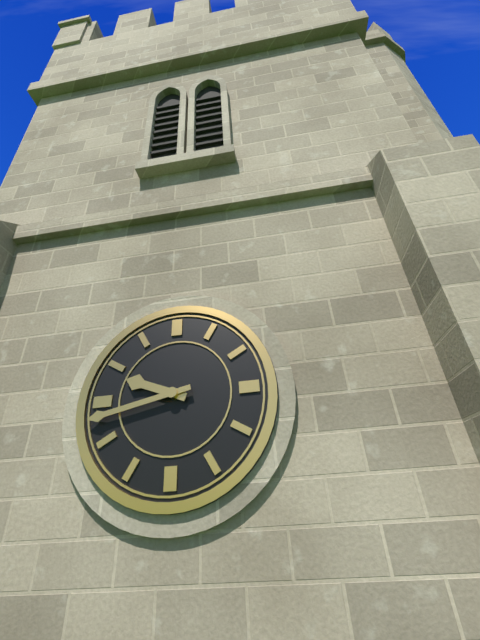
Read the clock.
9:43
